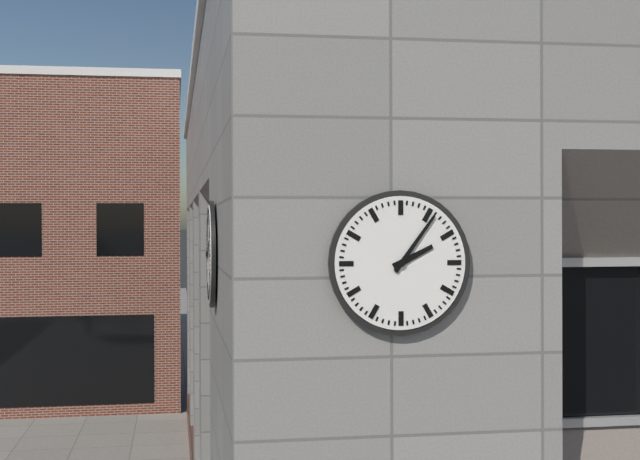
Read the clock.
2:06
